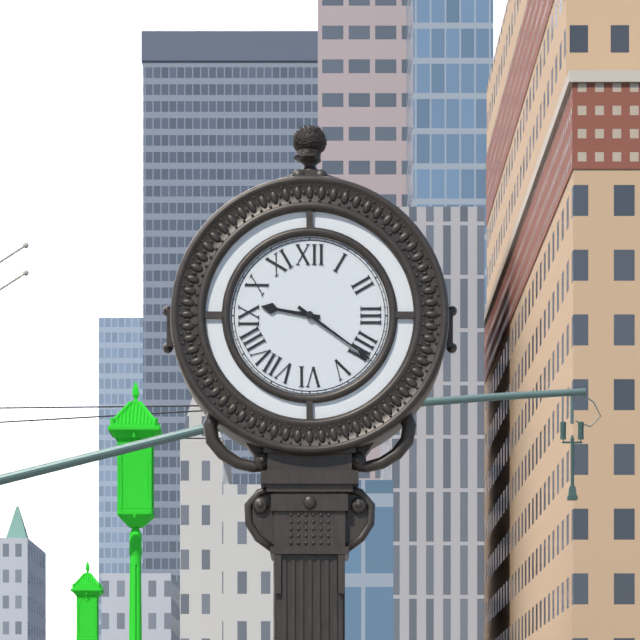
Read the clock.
9:21
